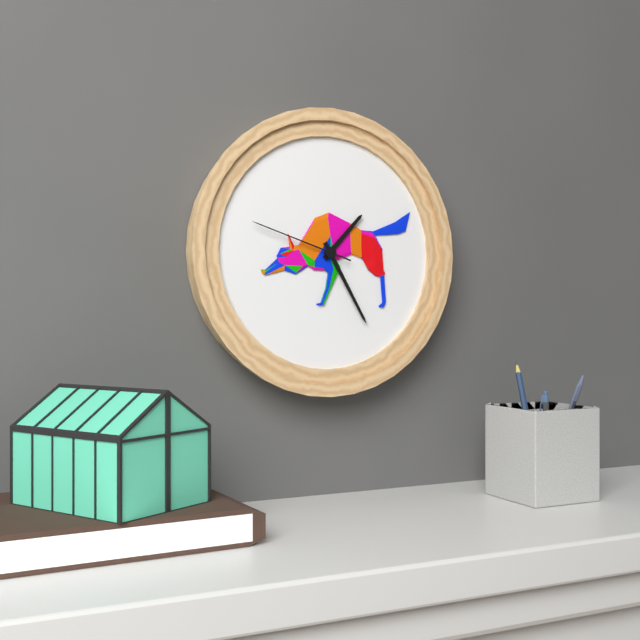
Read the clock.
1:25:48
